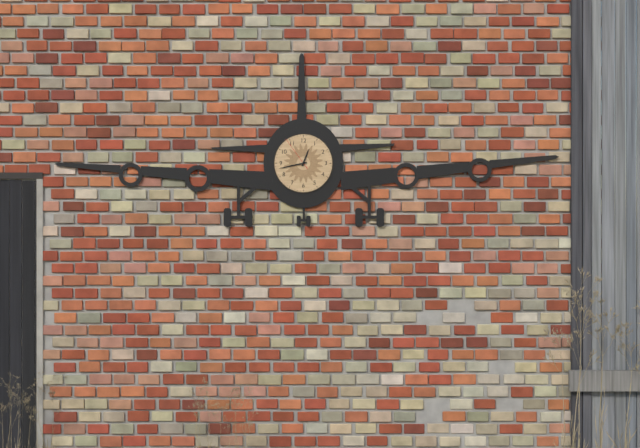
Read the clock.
12:43
